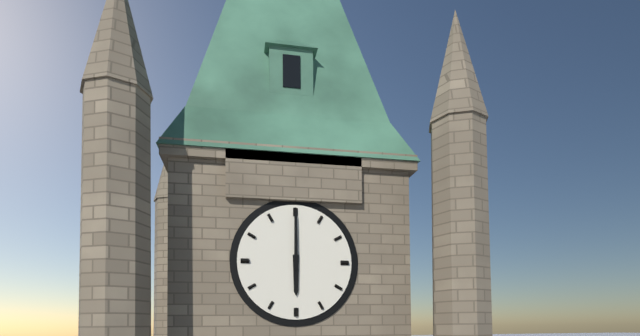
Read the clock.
6:00
